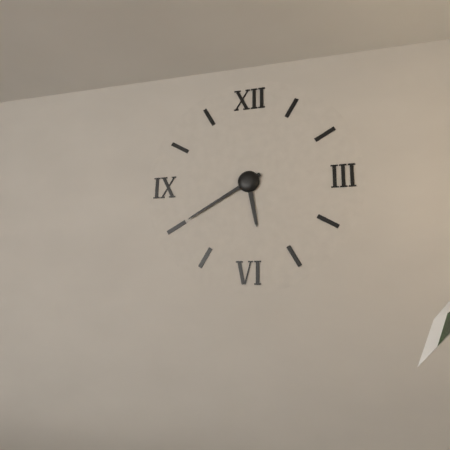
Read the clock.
5:40
